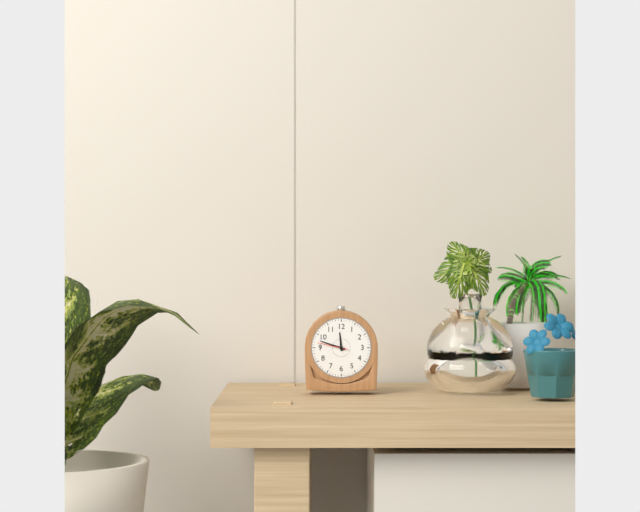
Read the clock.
11:48
